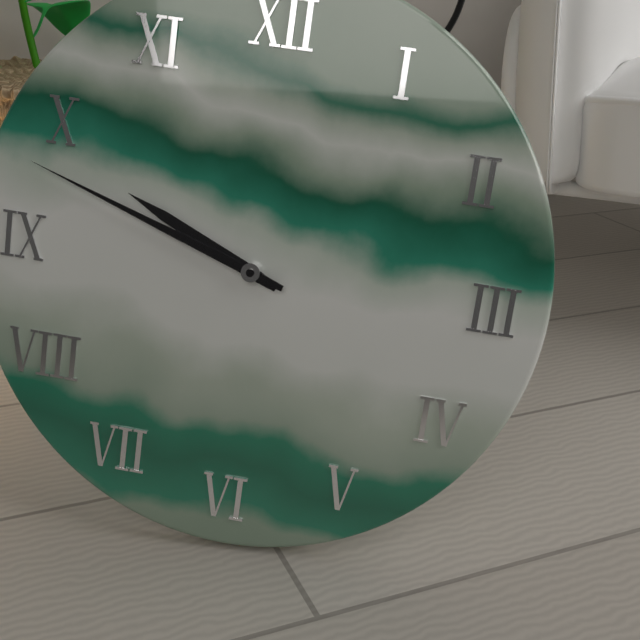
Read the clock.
9:48
